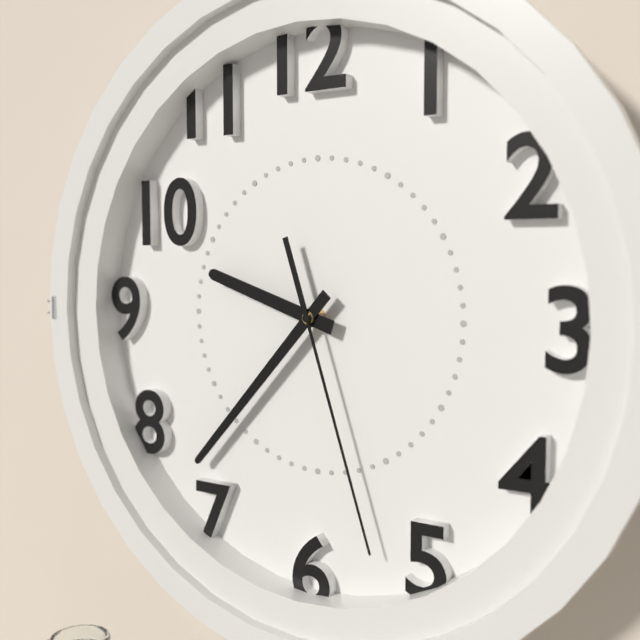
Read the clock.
9:37:27
